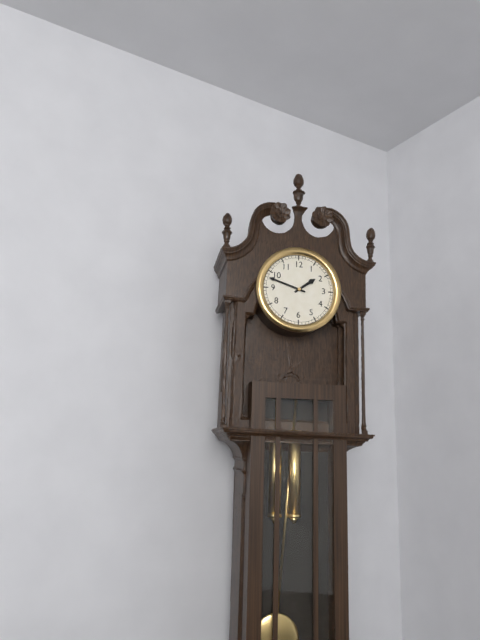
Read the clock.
1:48
